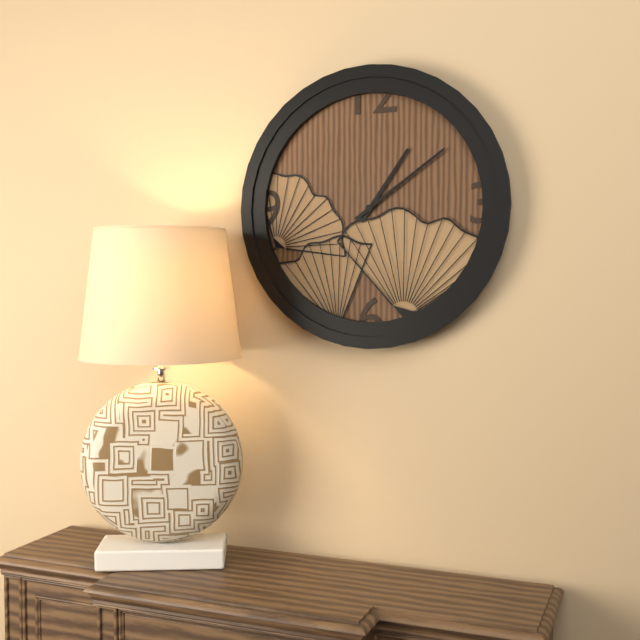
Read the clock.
1:09
